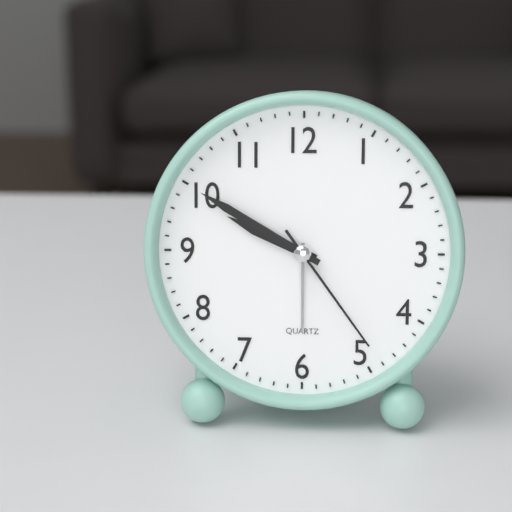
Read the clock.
9:50:24
